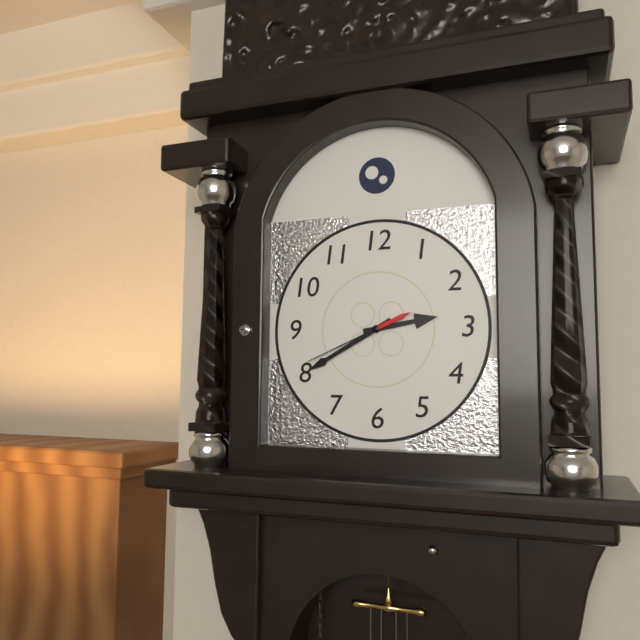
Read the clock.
2:40:41
